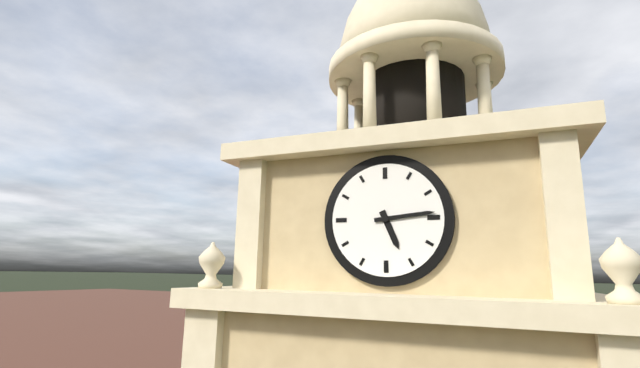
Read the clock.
5:14
